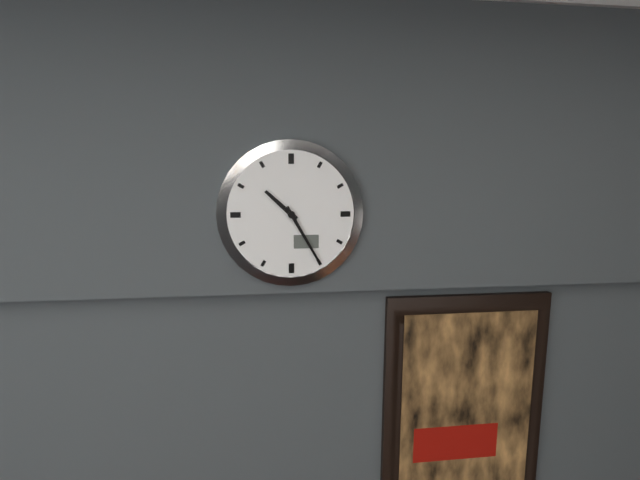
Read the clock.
10:25
